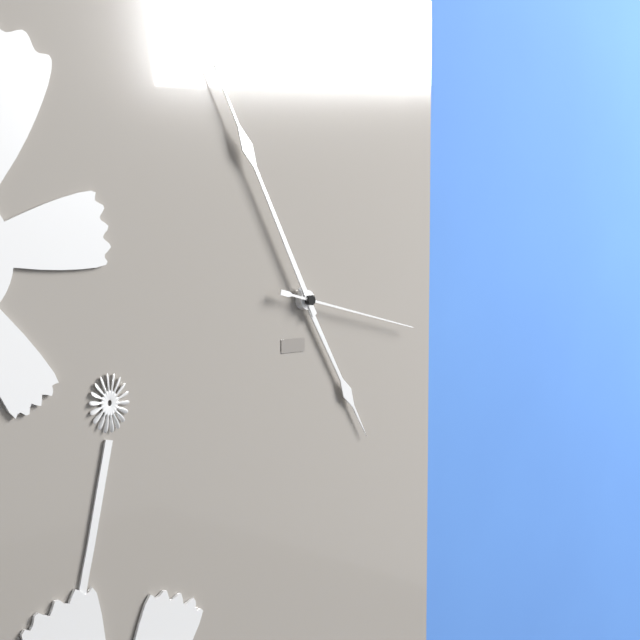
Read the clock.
4:55:17
